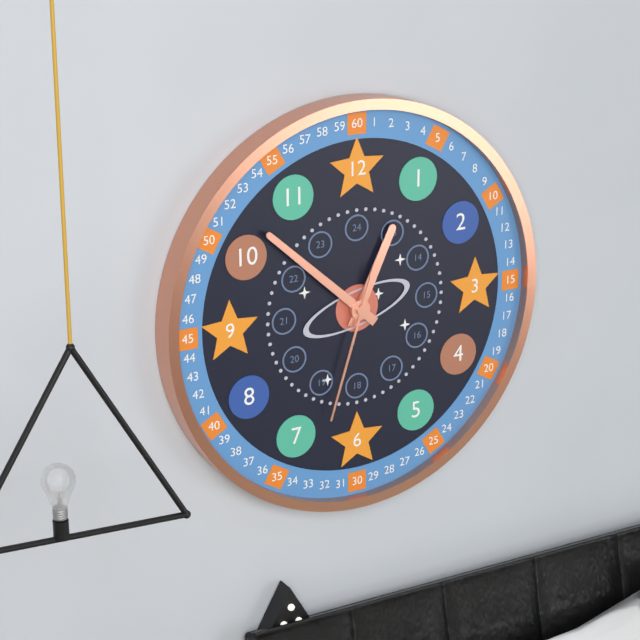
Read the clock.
12:52:33
